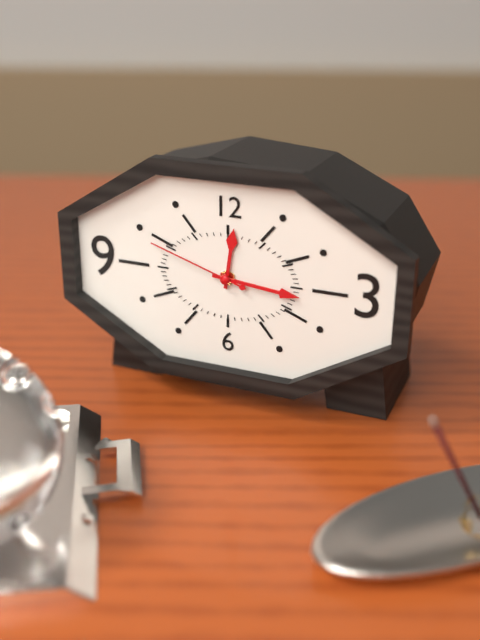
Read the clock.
12:16:48
